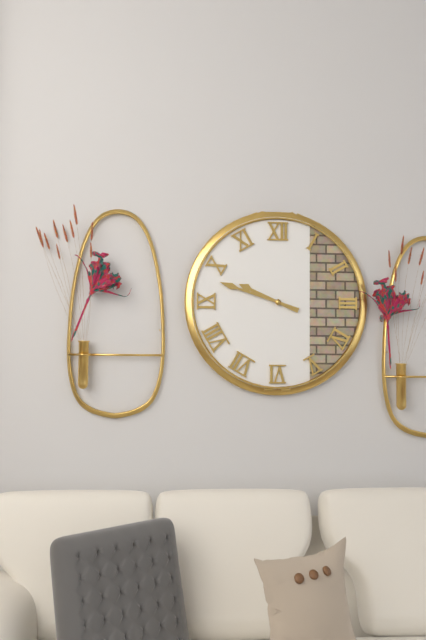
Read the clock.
9:48
